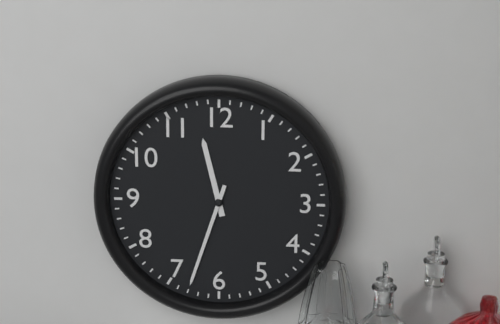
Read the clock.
11:33
